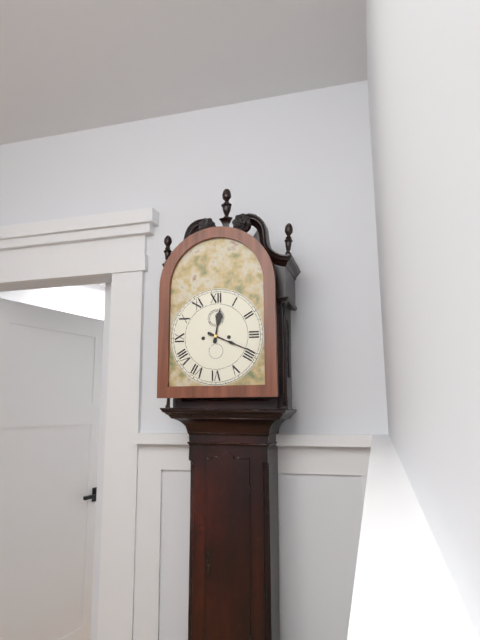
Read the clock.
12:19
